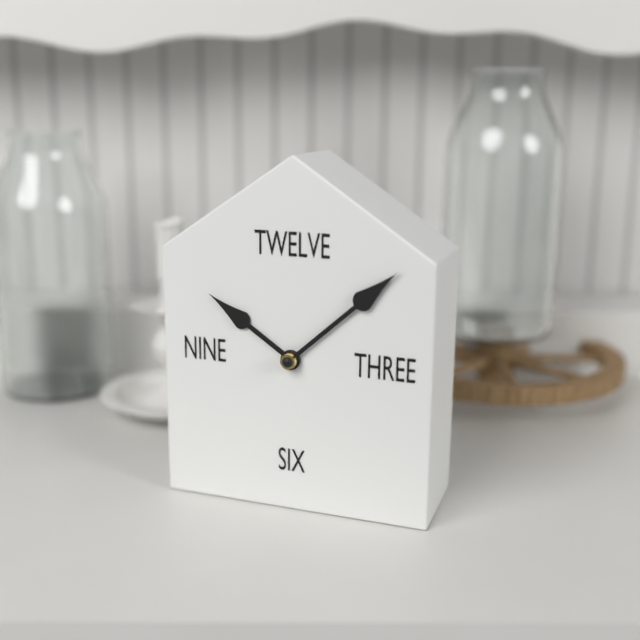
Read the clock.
10:08
